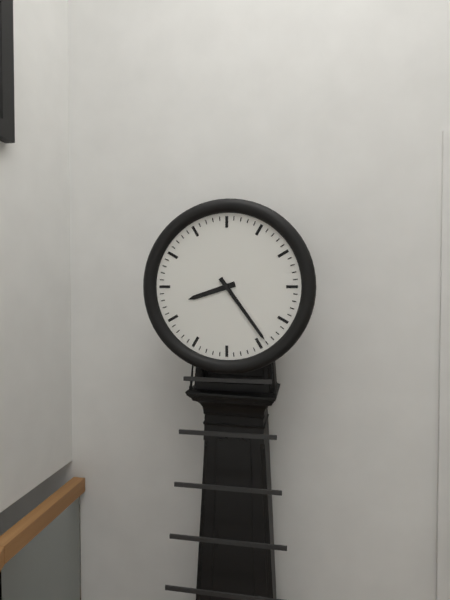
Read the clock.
8:24
